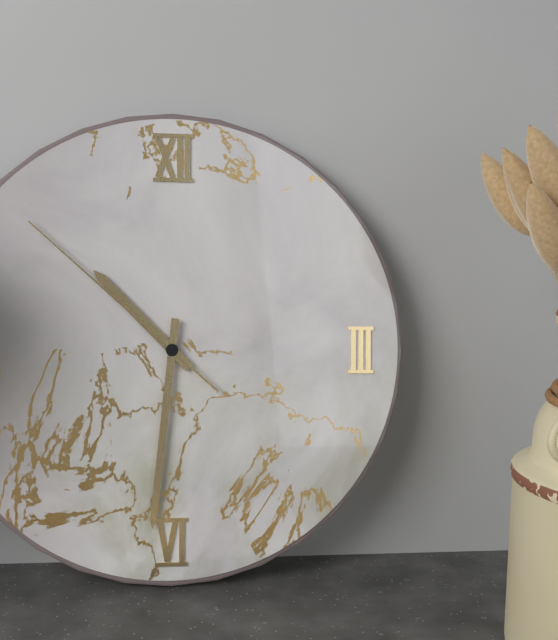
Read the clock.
10:31:52
